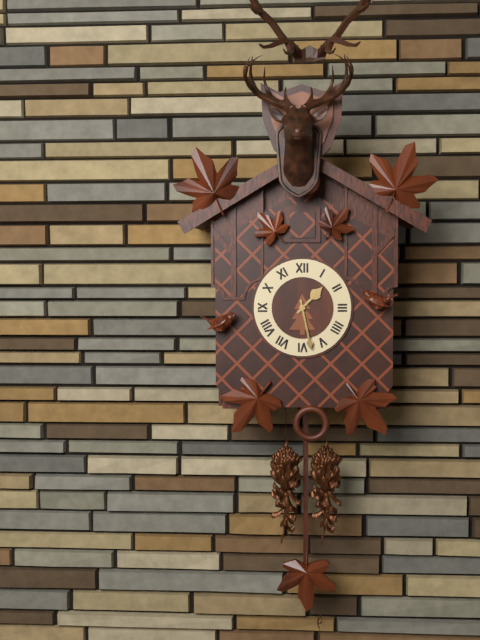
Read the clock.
1:28
